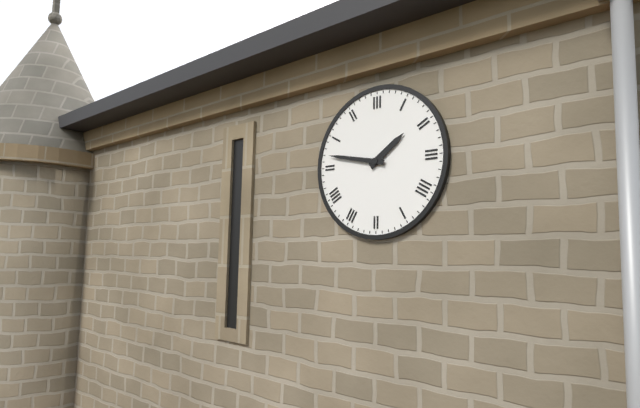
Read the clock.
1:47
